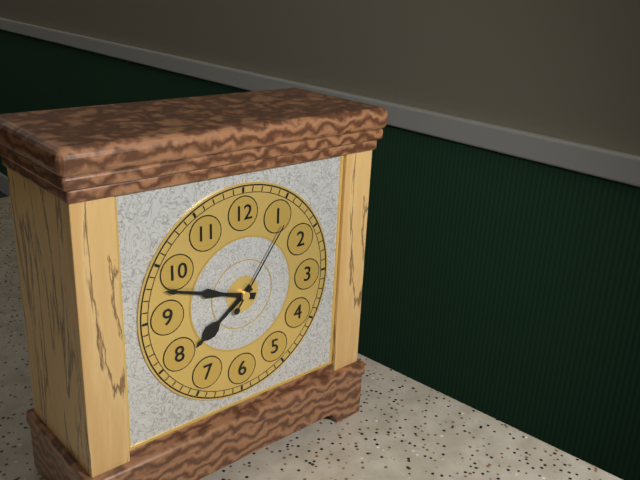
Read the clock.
7:48:06
